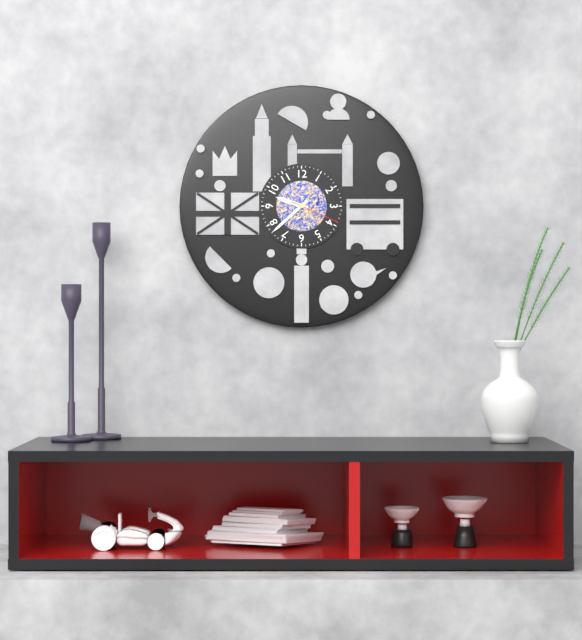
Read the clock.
9:38:19
